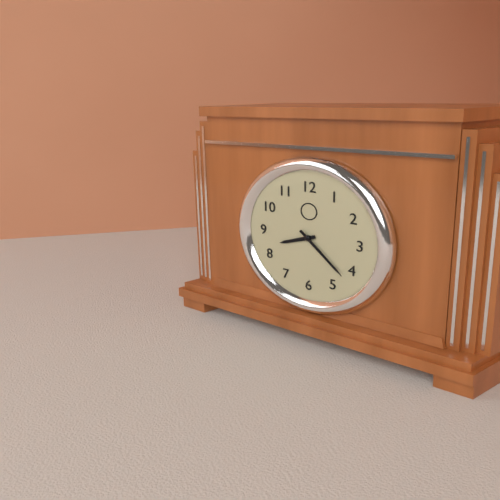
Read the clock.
8:22
